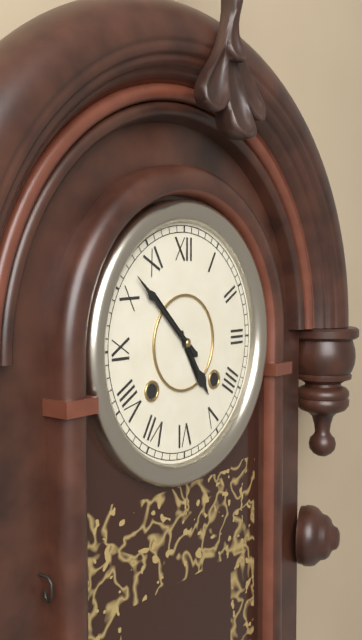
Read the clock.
4:52
